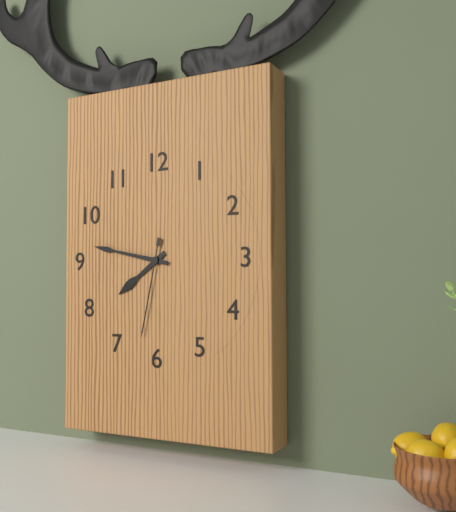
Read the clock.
7:47:32
